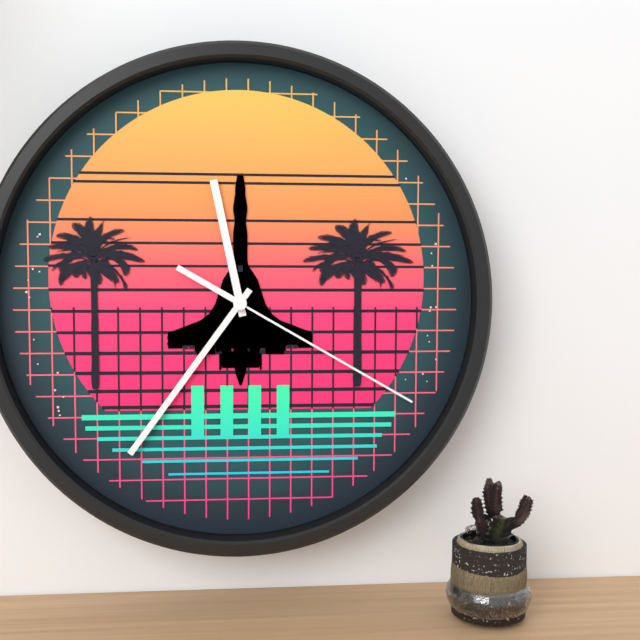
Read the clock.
11:36:20
